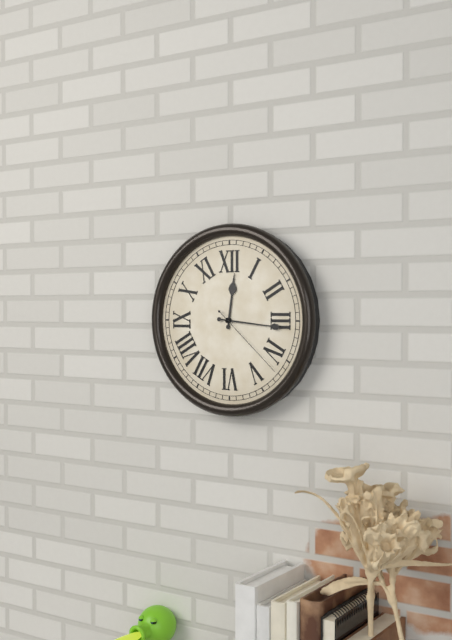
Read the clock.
12:16:22
